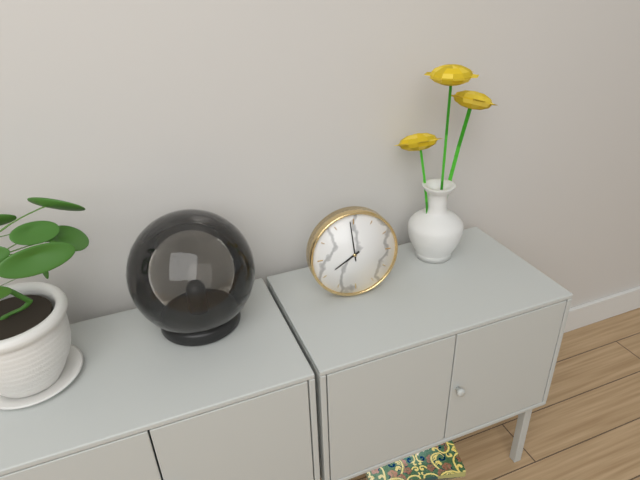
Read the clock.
7:59
